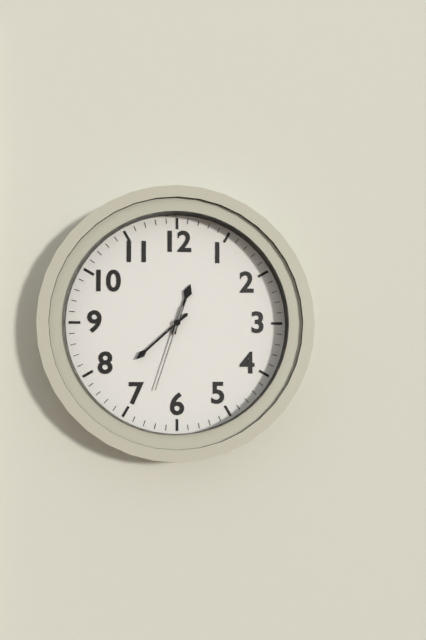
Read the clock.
12:38:33
